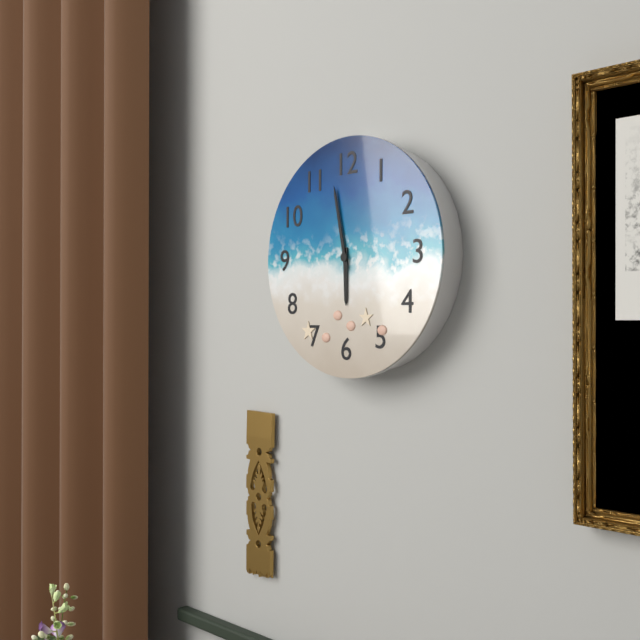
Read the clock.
5:58
